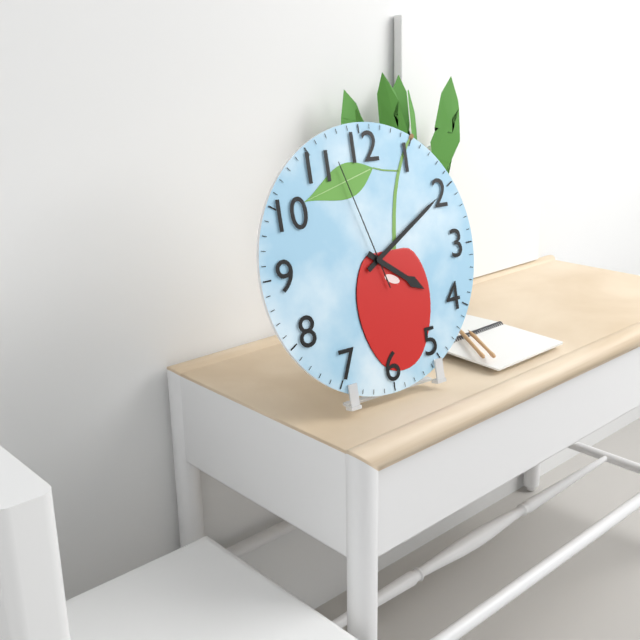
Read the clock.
4:10:57
